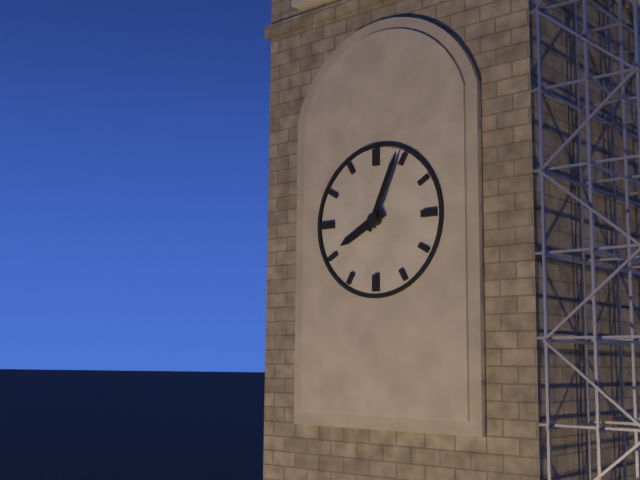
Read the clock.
8:04
